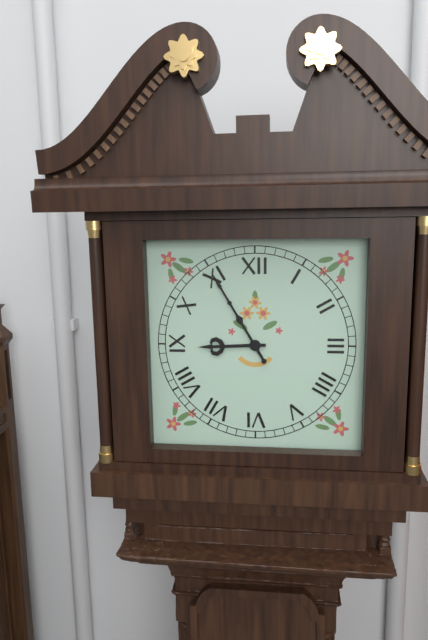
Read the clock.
8:55
